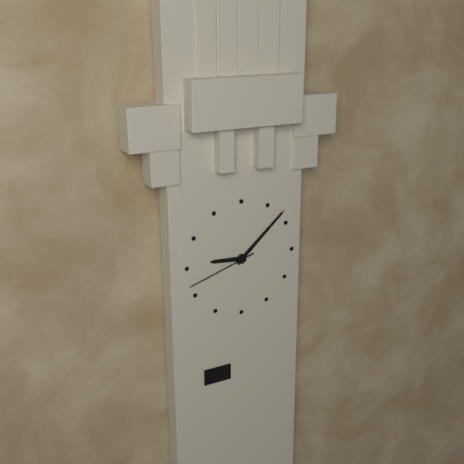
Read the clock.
9:08:42
